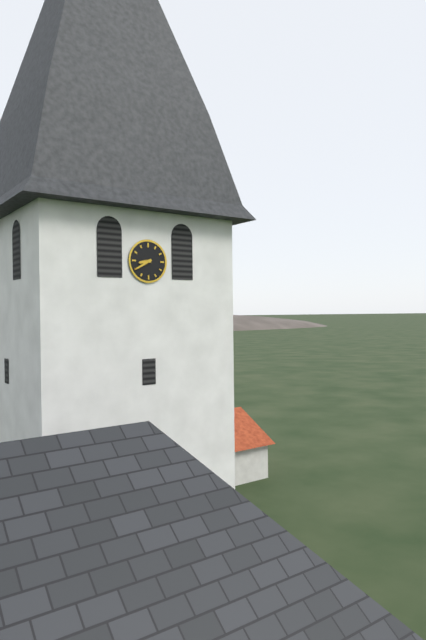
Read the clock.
8:40
